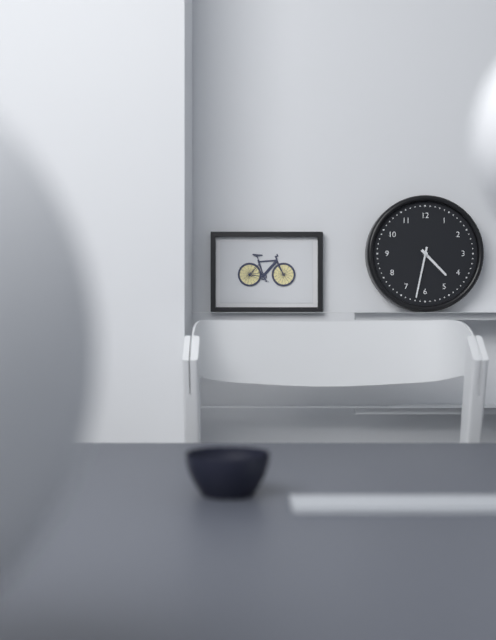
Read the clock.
4:32
